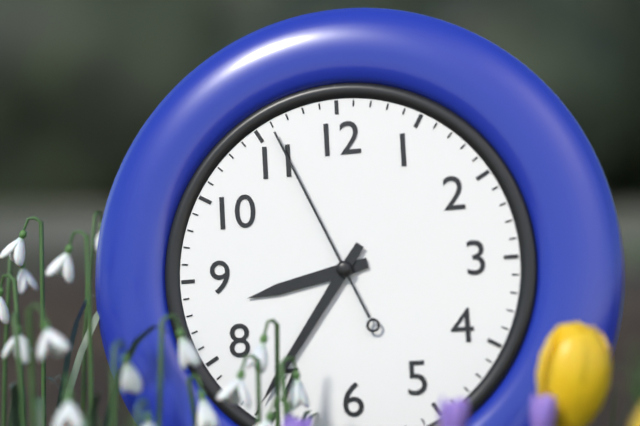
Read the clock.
8:36:56
